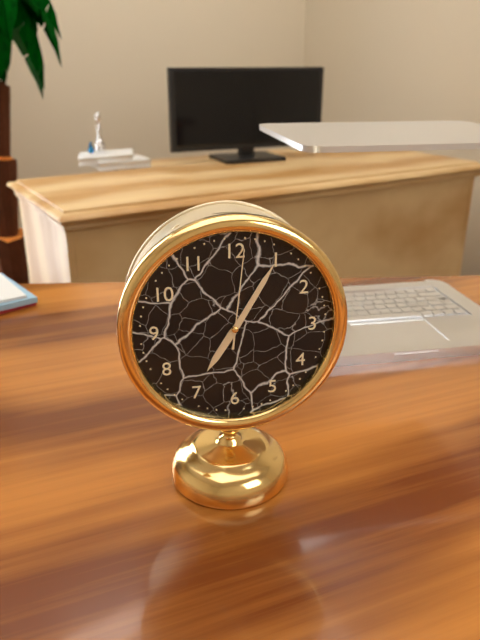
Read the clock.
7:05:01
